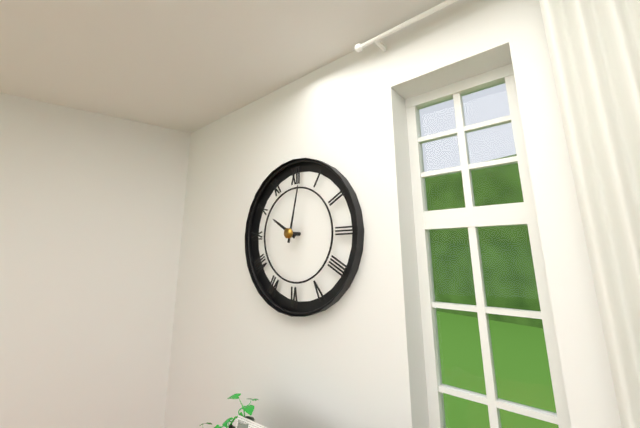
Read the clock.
10:02
